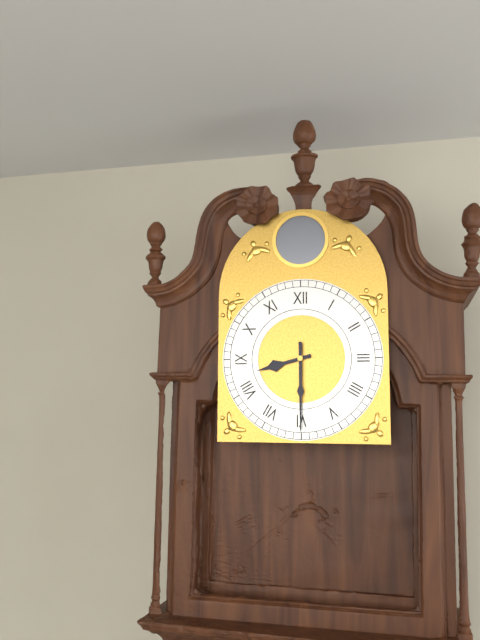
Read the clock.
8:30
